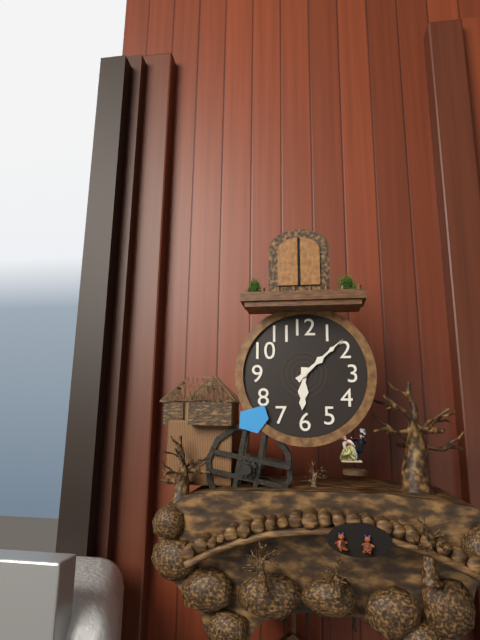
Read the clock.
6:08
